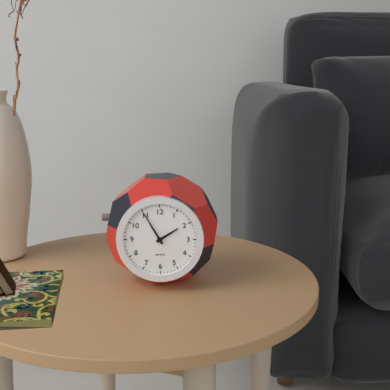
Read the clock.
1:55
